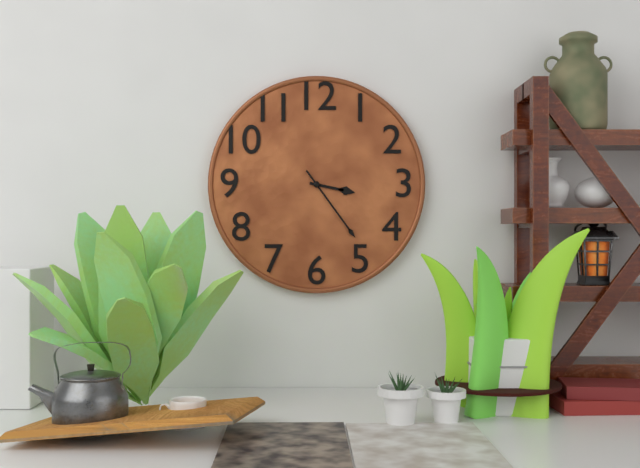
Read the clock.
3:24
